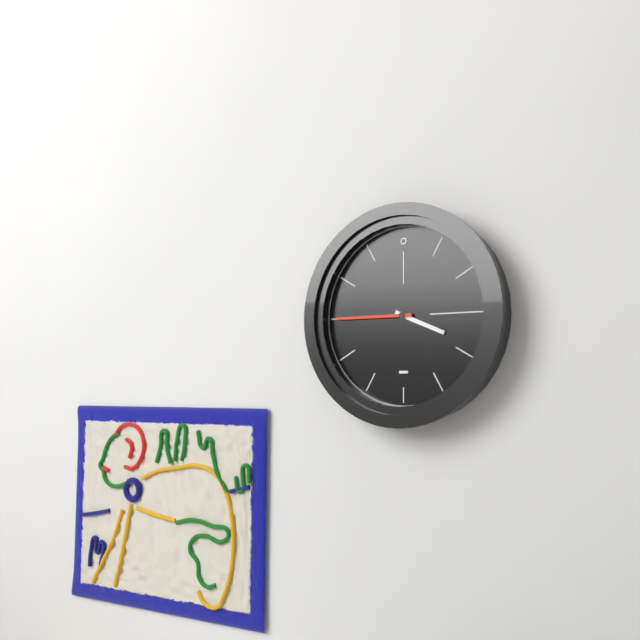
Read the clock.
3:45
